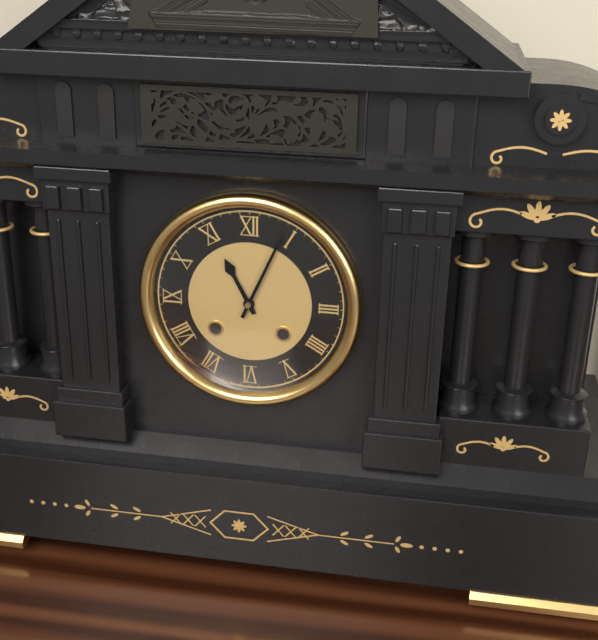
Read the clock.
11:04
